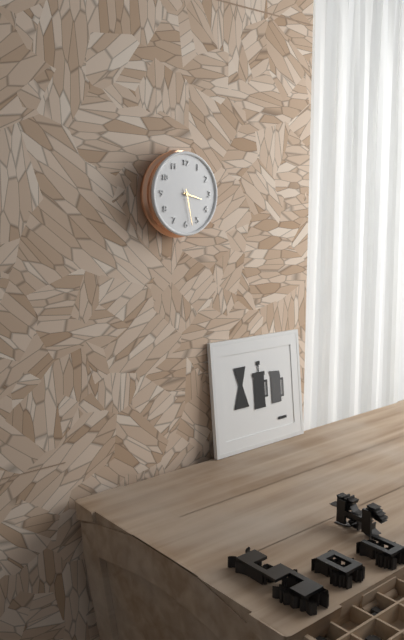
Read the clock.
3:28
